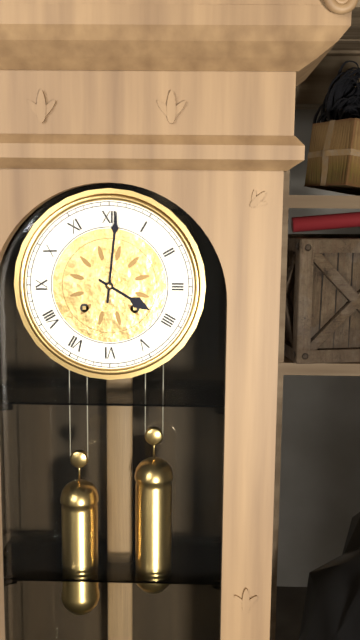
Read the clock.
4:01
